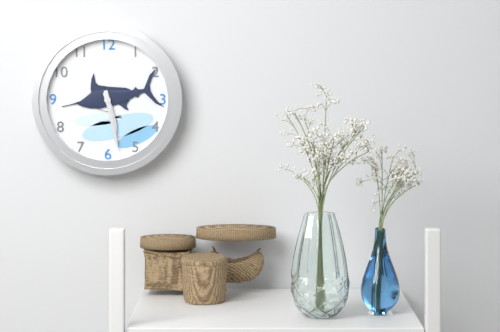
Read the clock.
5:28
